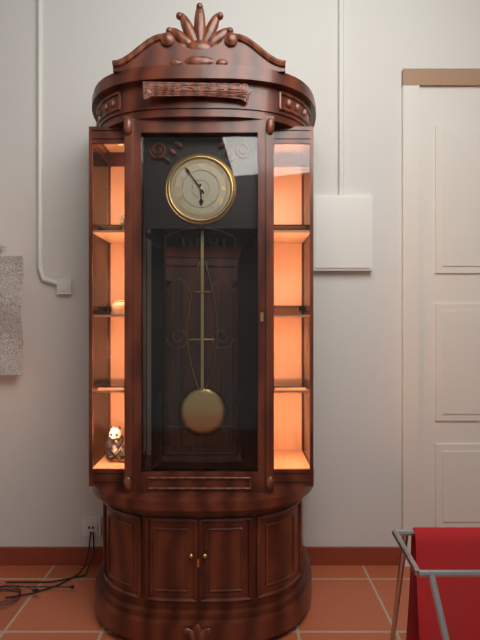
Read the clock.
5:54
